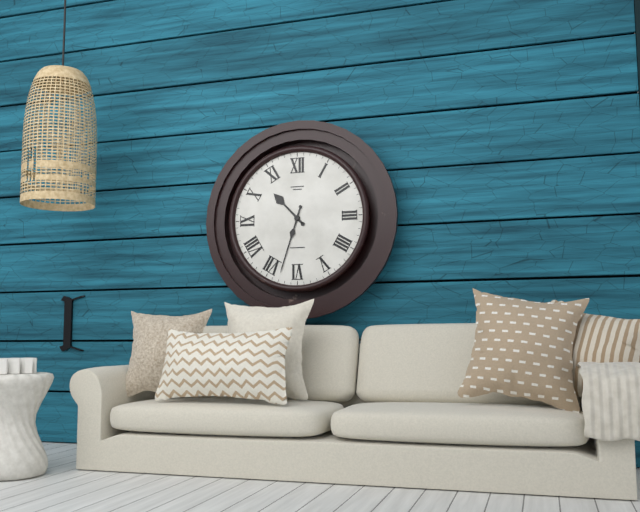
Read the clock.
10:33
